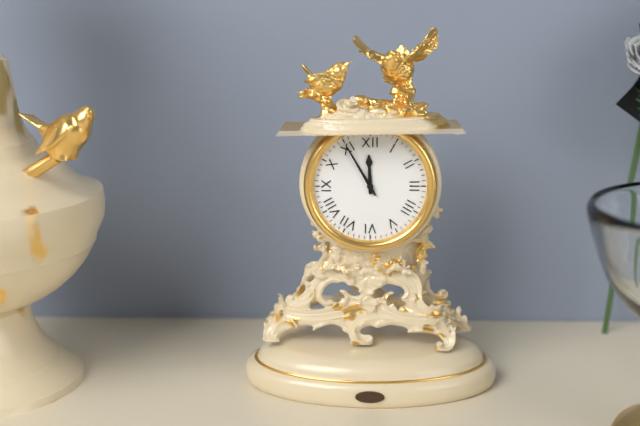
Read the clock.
11:55
